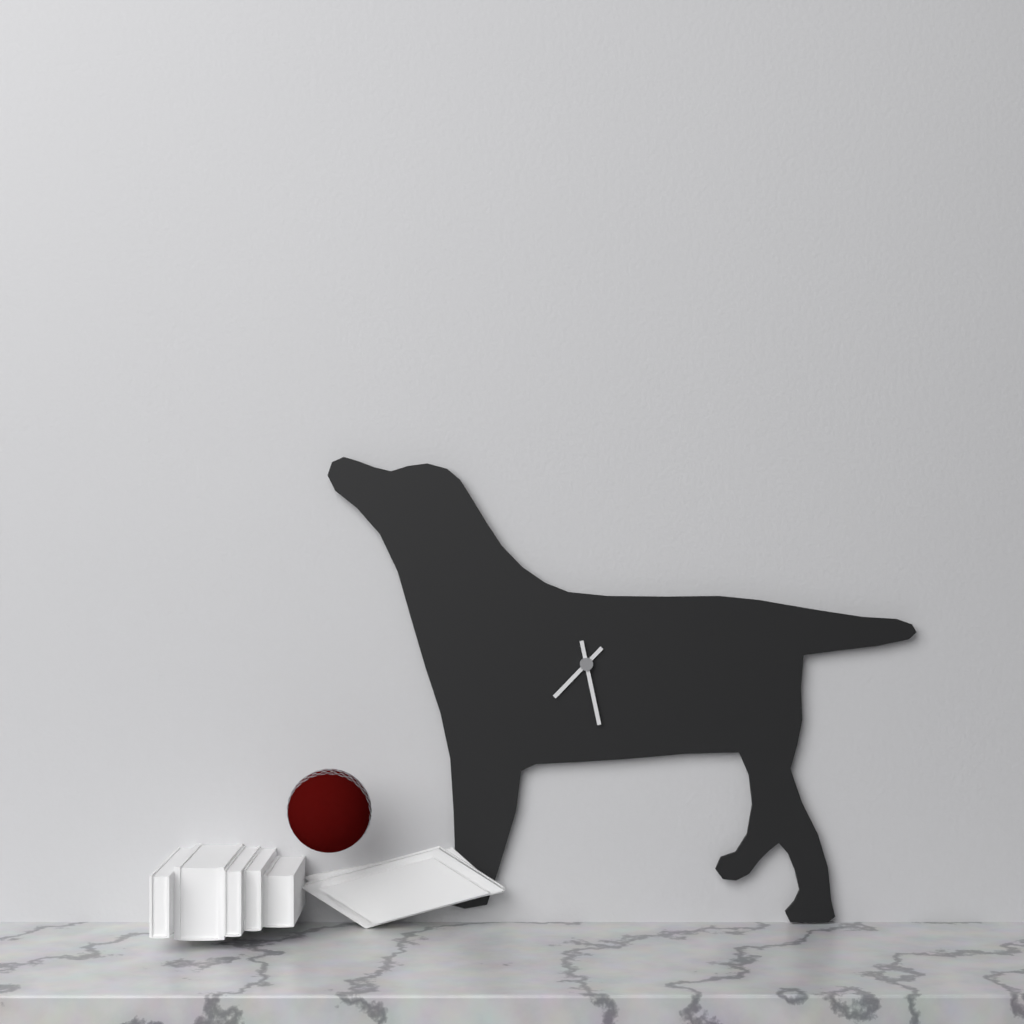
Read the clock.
7:28
